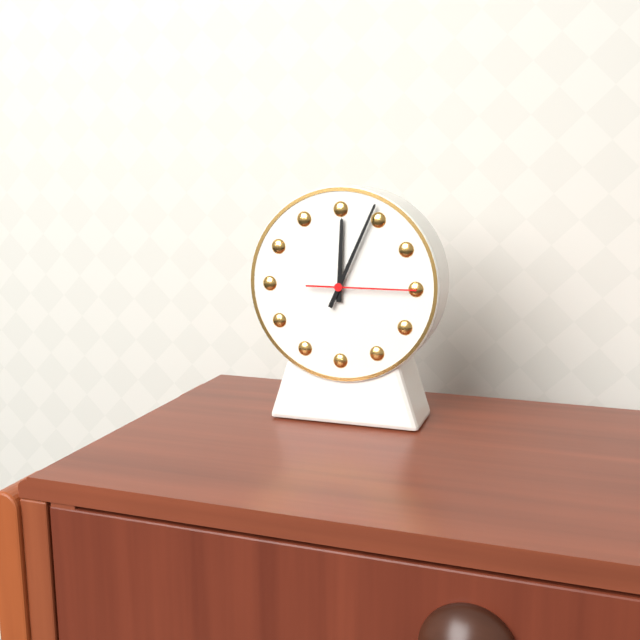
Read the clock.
12:04:15
